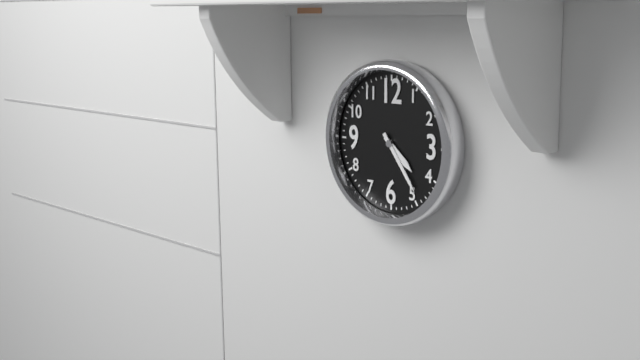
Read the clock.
4:24
